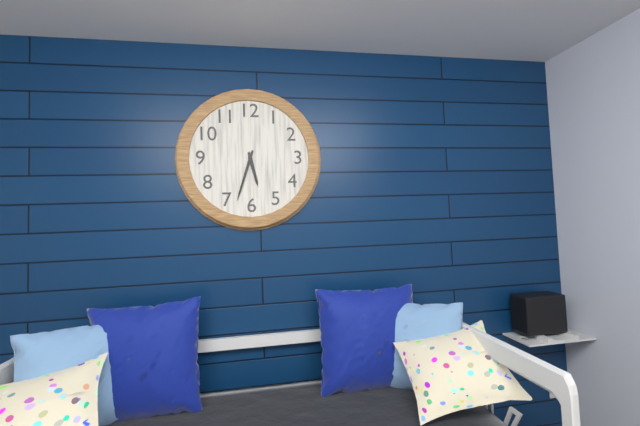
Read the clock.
5:33
